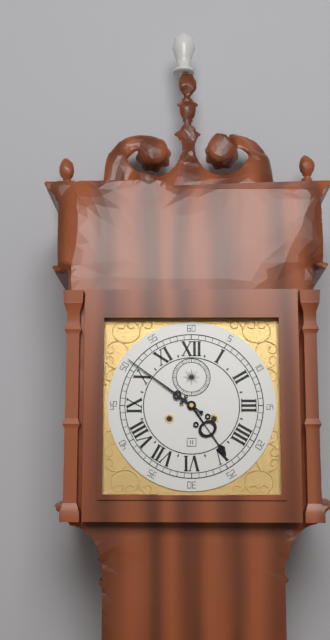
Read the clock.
4:51
